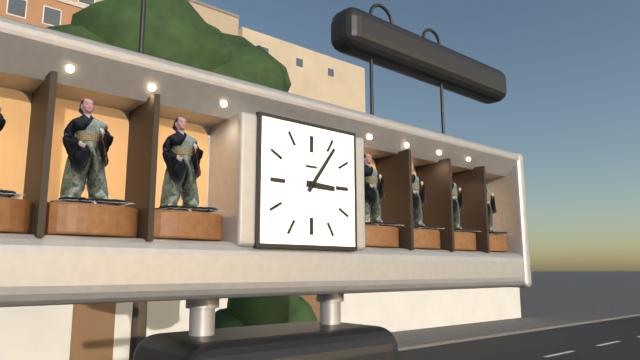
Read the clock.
3:06
